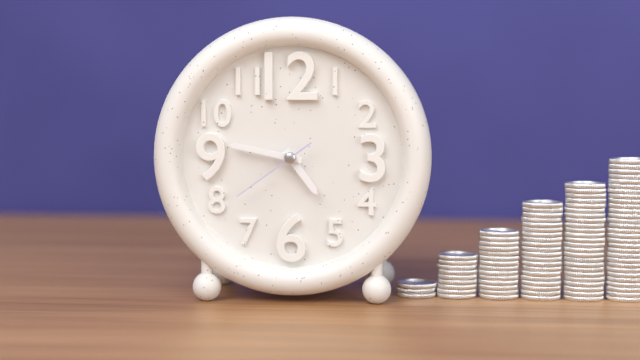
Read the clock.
4:47:39
